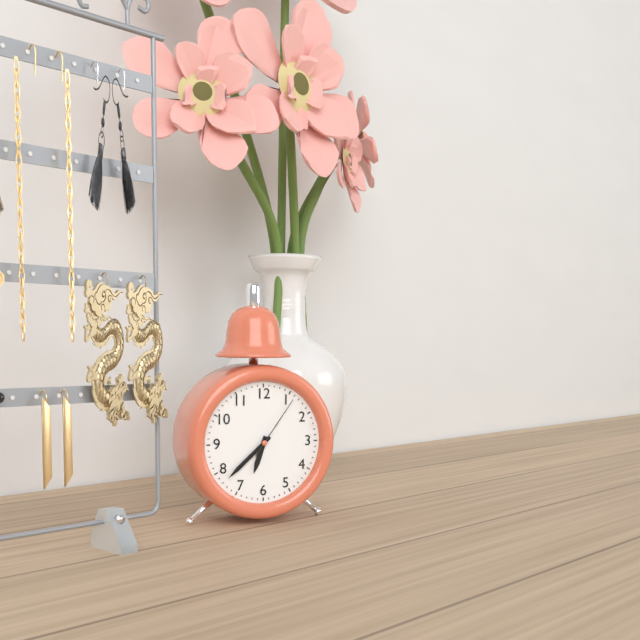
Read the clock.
6:38:06
